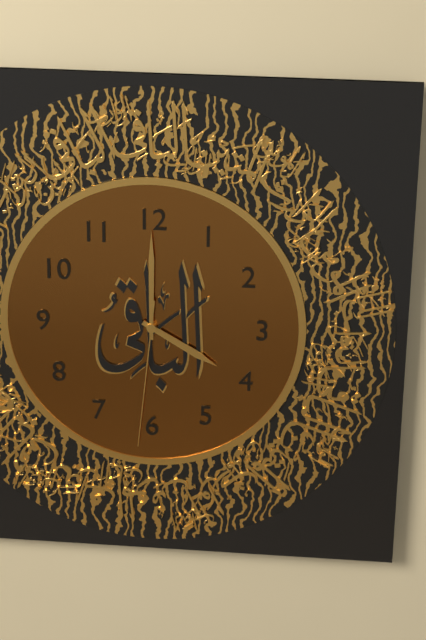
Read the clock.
4:00:31
